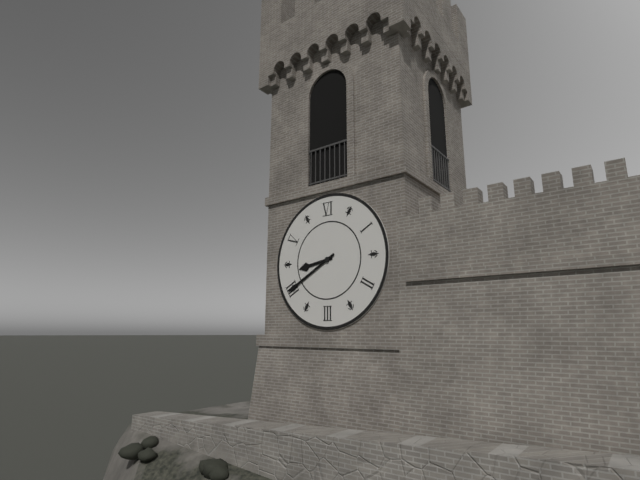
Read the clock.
8:40
